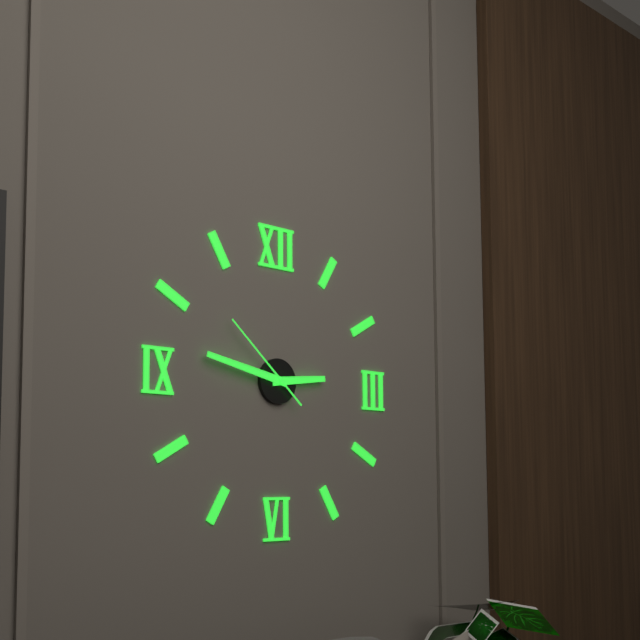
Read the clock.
2:47:52
